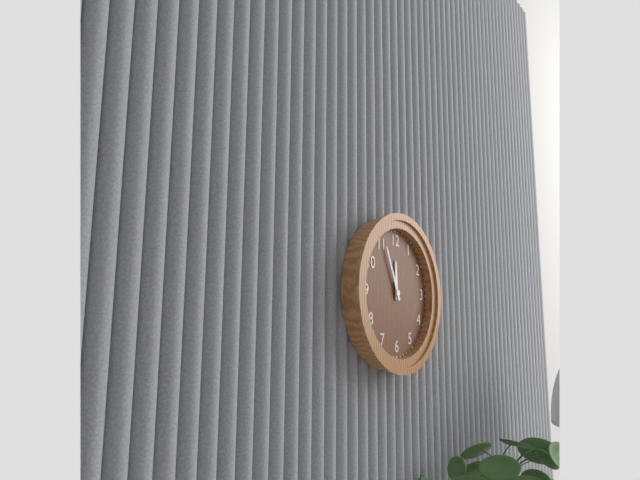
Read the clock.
11:56
